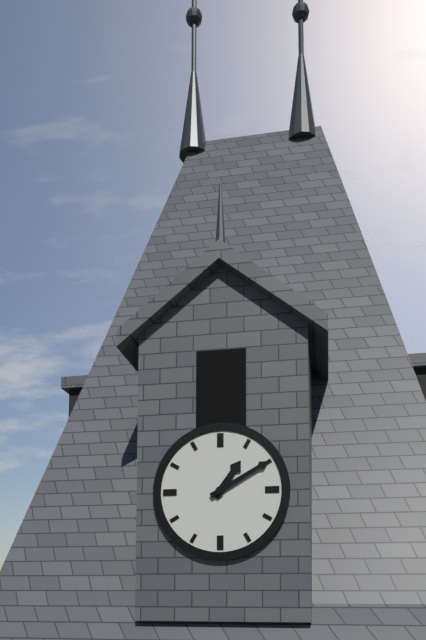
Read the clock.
1:10
